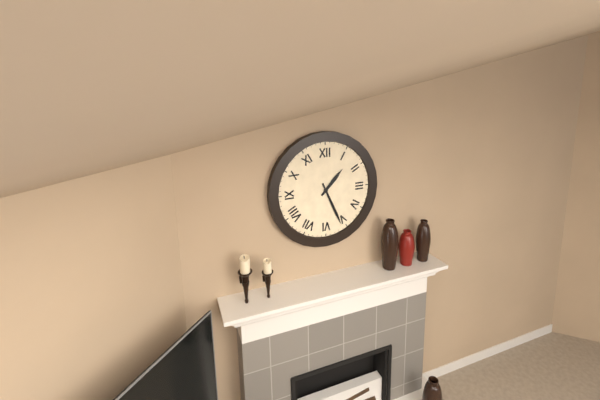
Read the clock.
1:26
